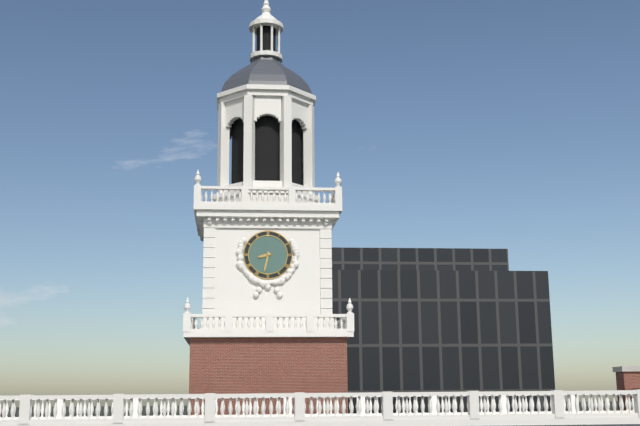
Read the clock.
8:32
